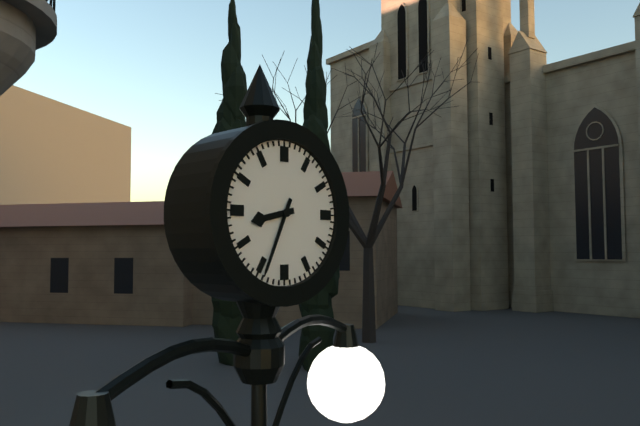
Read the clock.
8:34
